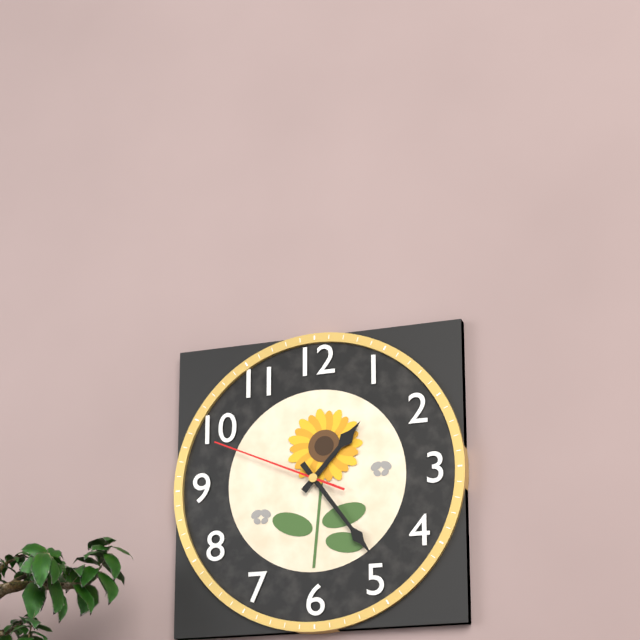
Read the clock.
1:24:49
